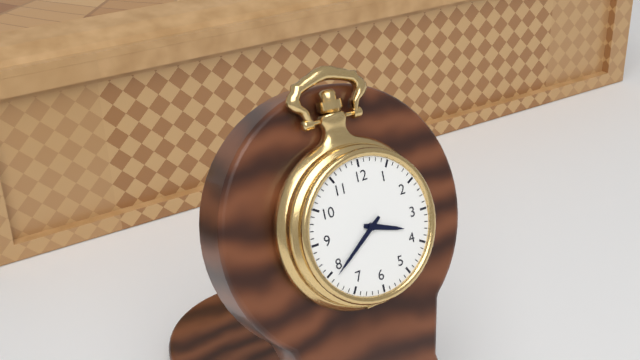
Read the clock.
3:39
